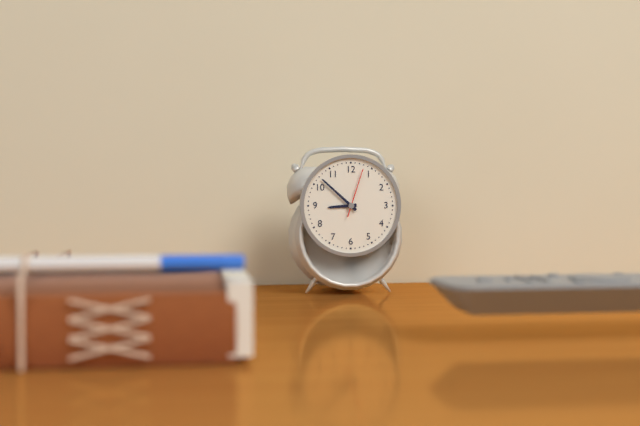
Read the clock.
8:52
